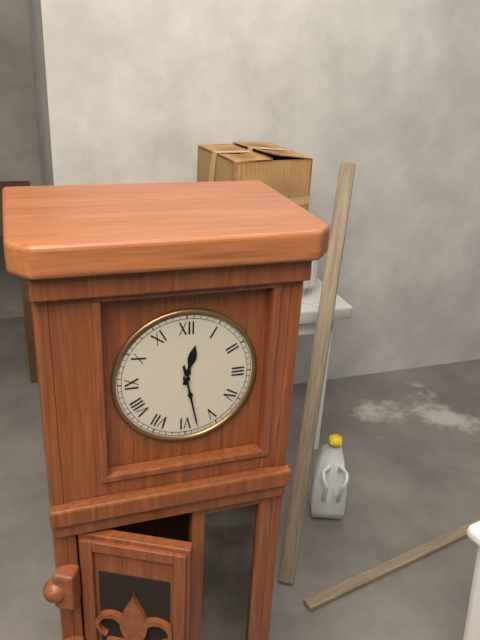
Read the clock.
12:28
